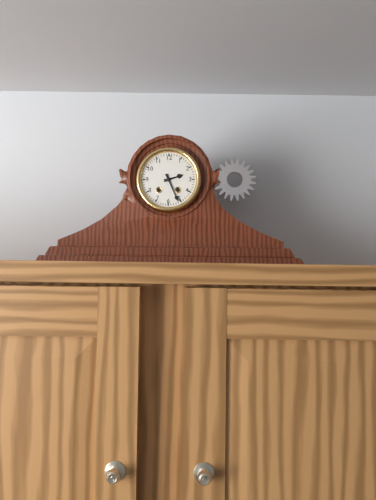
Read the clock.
2:26
